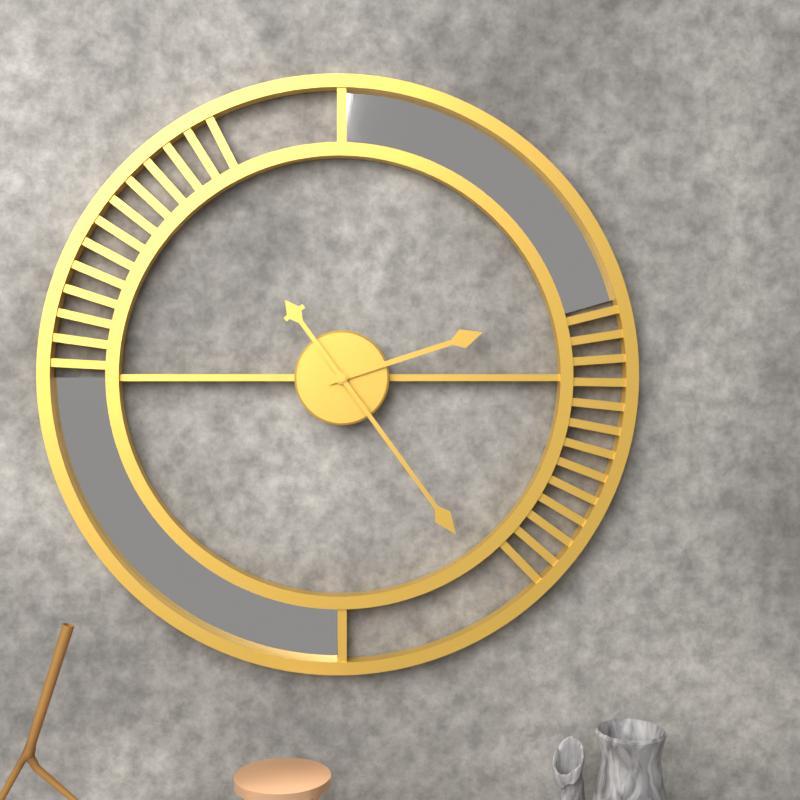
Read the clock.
2:24
